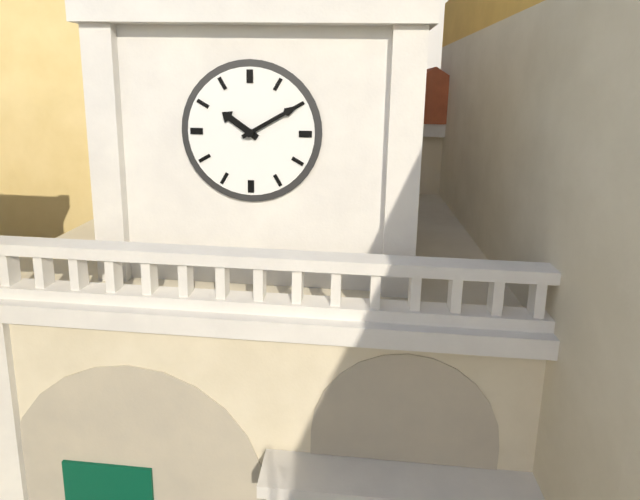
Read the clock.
10:10
